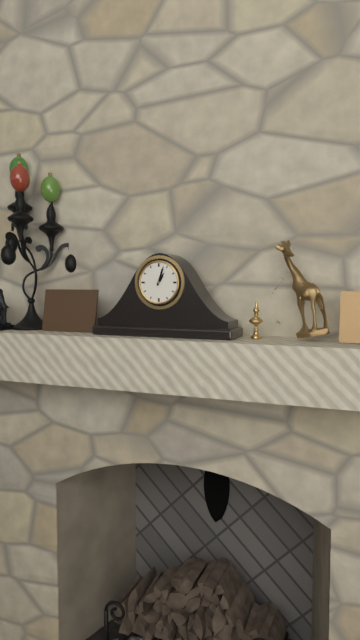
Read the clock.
1:03
